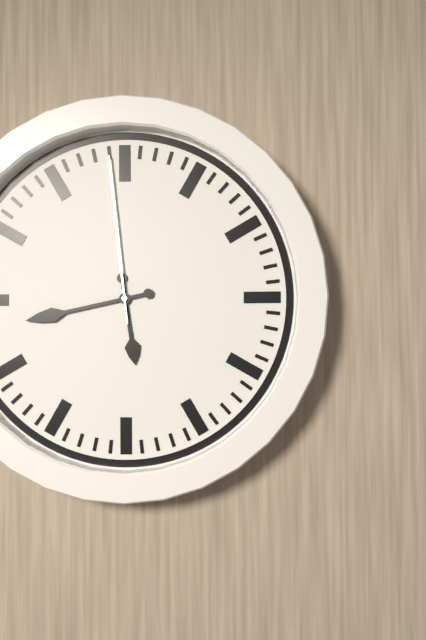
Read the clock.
5:43:59
